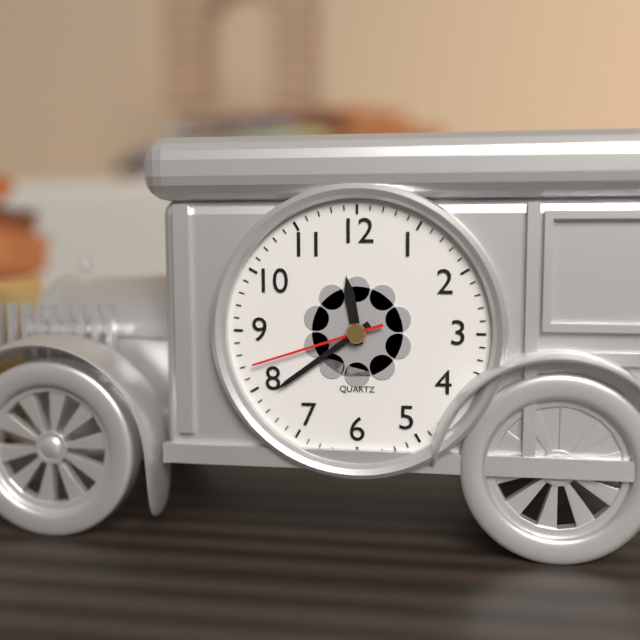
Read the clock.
11:39:42
